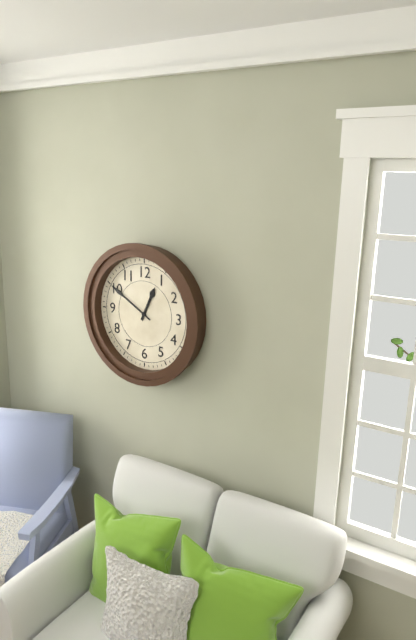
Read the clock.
12:50
